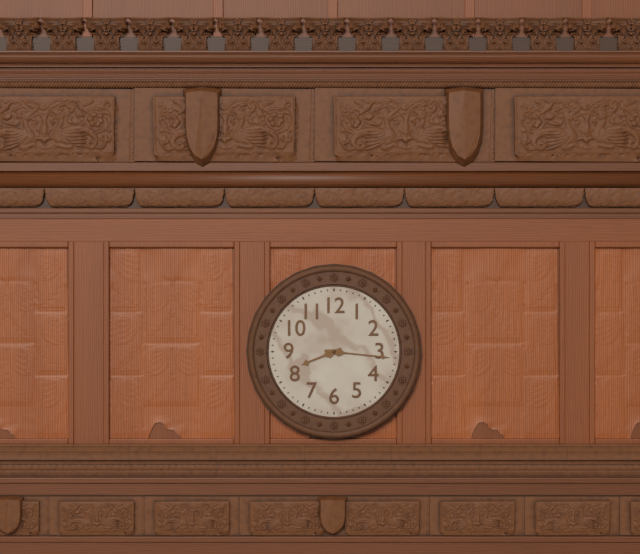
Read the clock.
8:16
